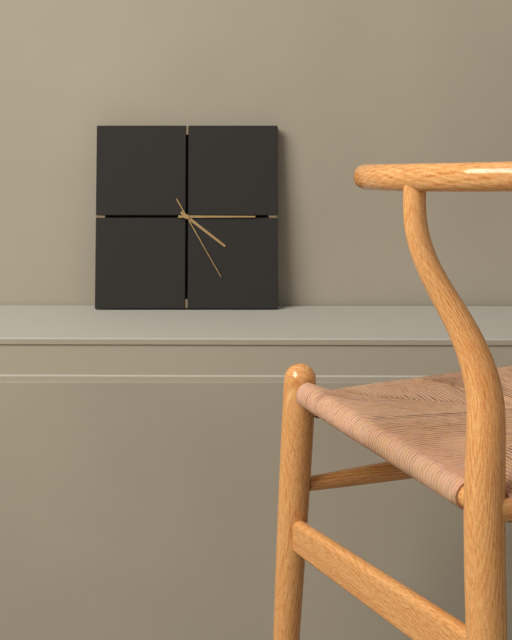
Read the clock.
4:15:25
